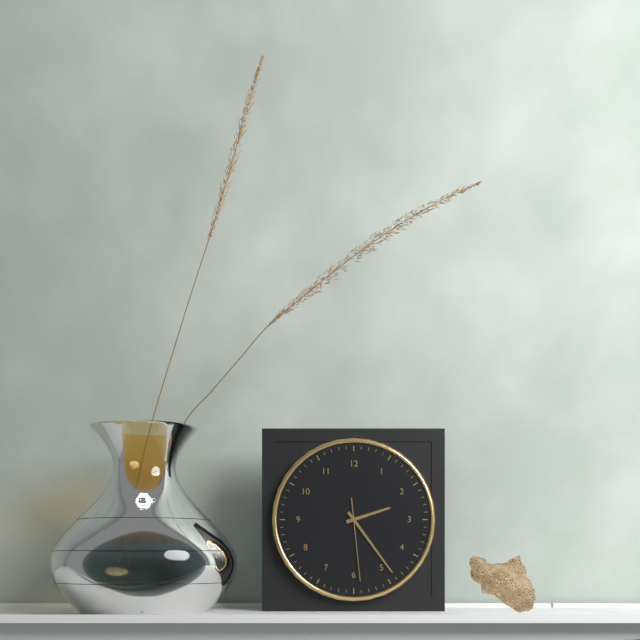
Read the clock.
2:24:29
